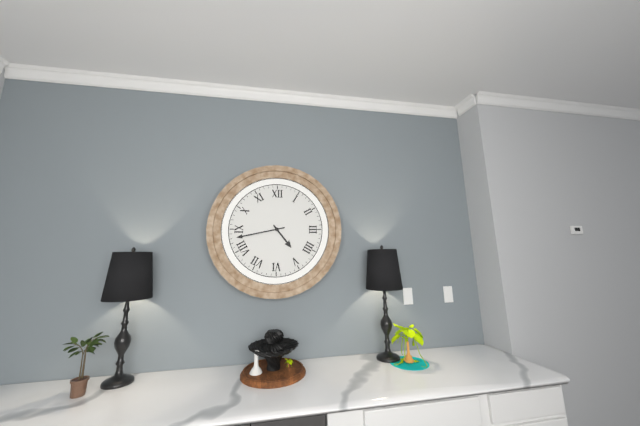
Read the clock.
4:43
